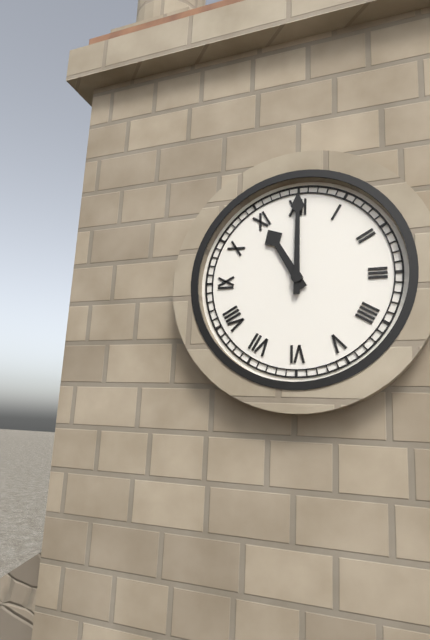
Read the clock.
11:00
